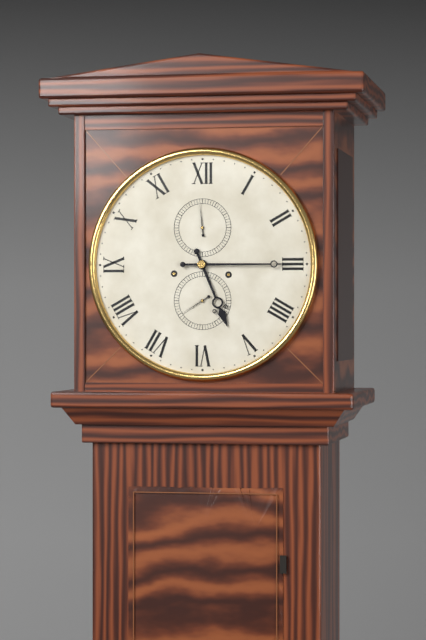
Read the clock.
5:15
